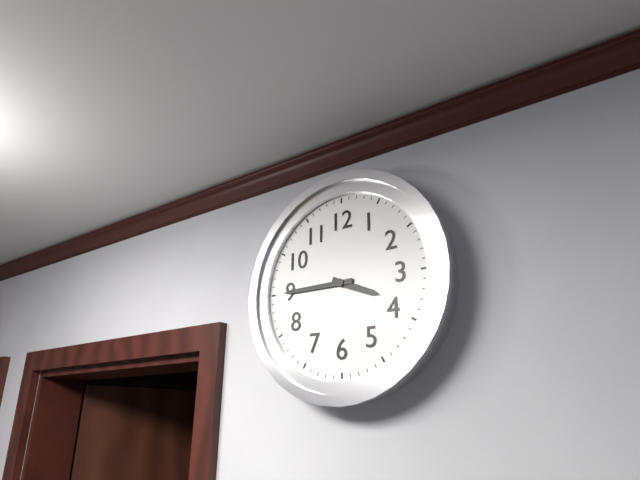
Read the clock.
3:45
